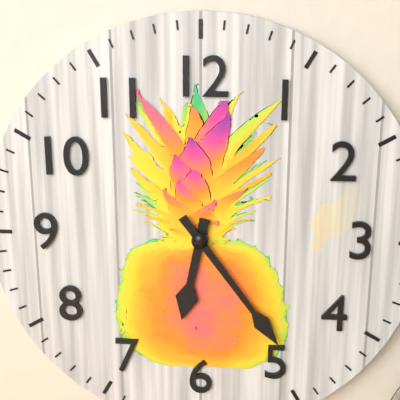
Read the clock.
6:24
